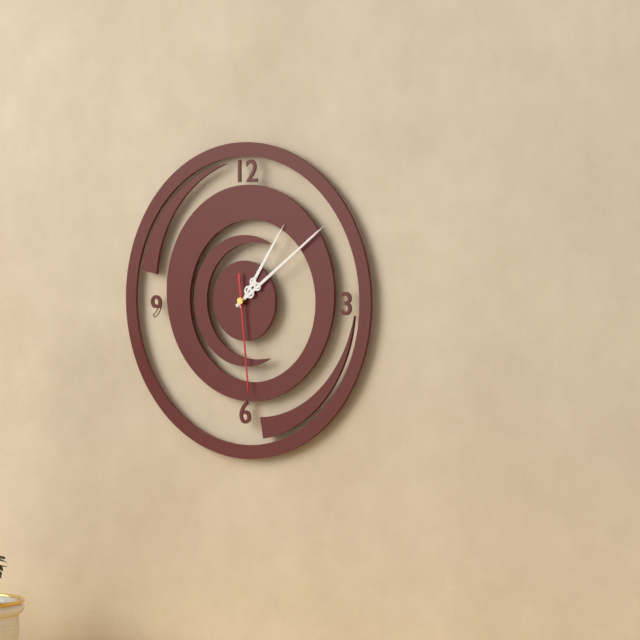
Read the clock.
1:09:29
